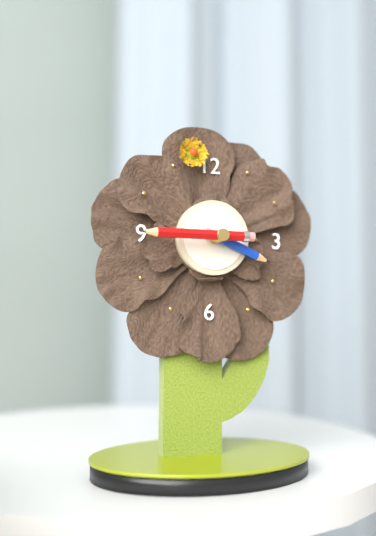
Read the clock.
3:45
